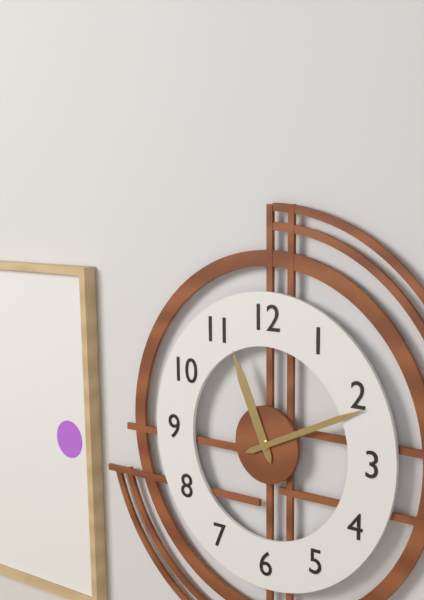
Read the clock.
11:11
